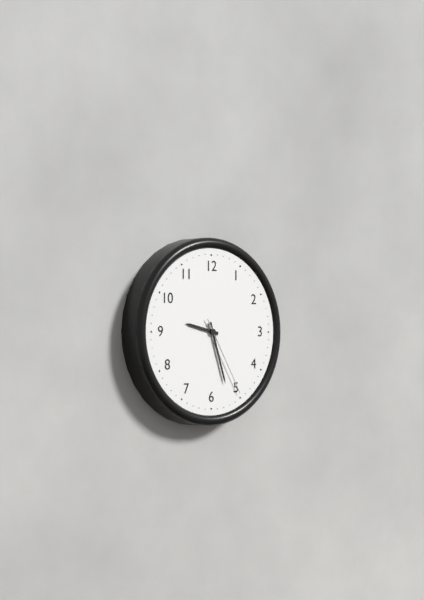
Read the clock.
9:27:25
